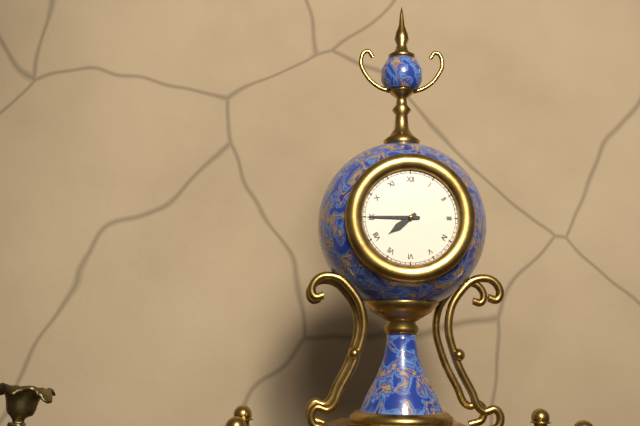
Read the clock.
7:45
